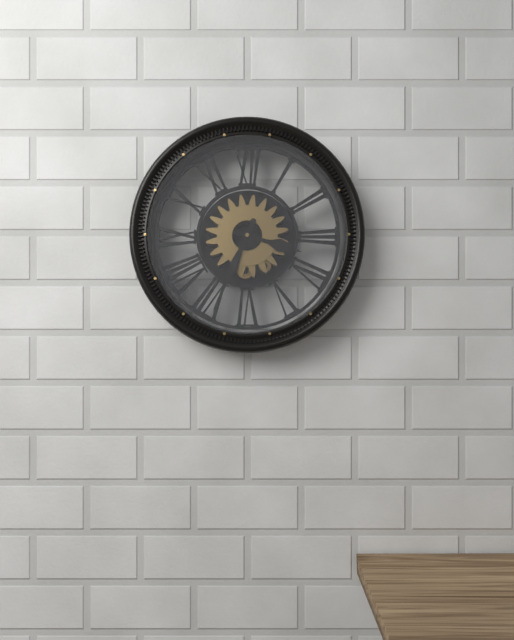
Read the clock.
3:34
